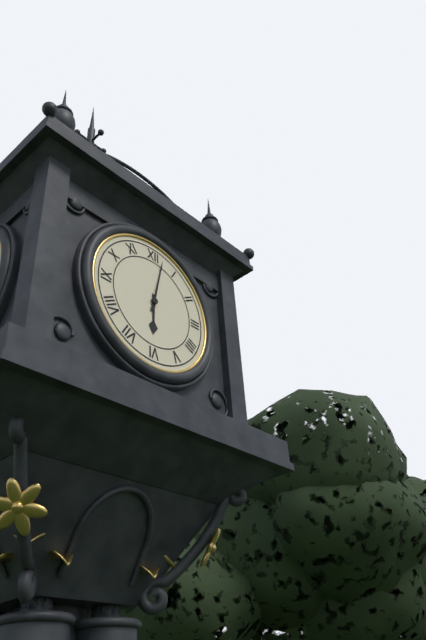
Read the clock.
6:02
